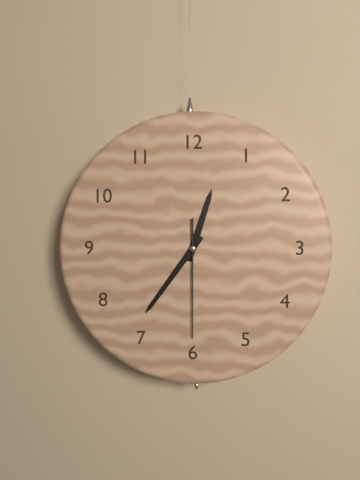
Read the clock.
12:36:30
